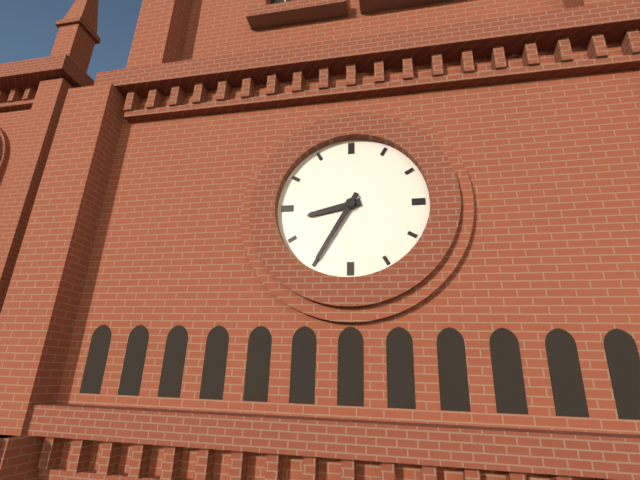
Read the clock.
8:35
